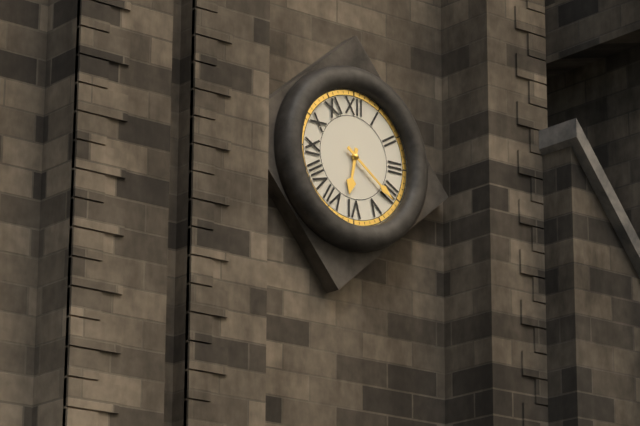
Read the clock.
6:21
